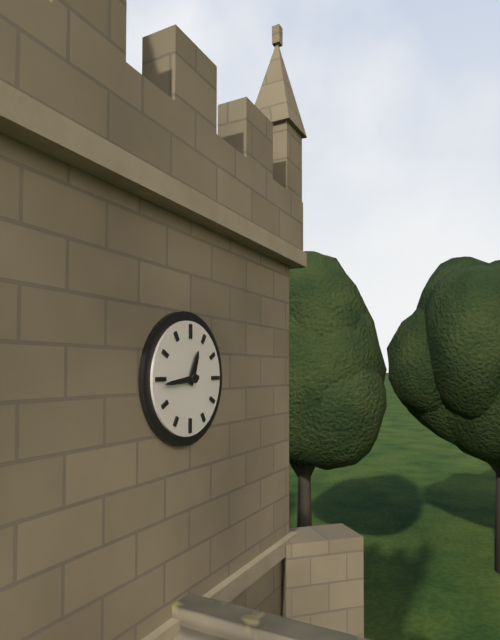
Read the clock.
12:44
